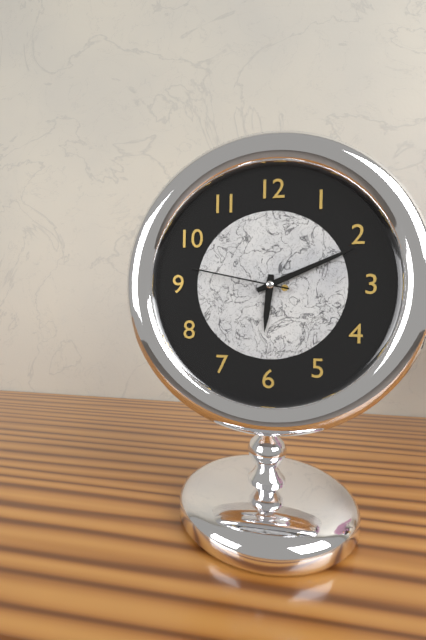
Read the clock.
6:11:47
